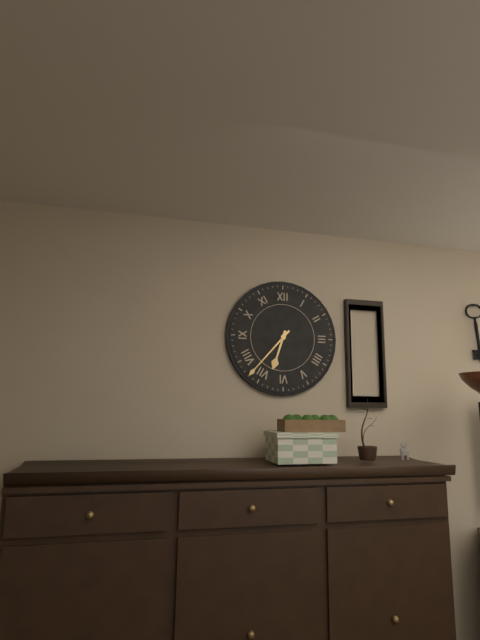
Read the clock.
6:37
